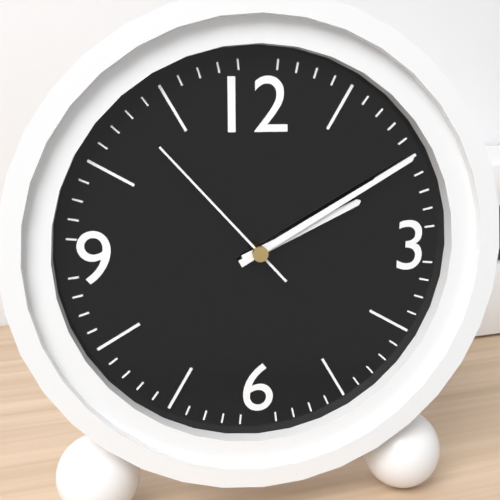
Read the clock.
2:10:53
